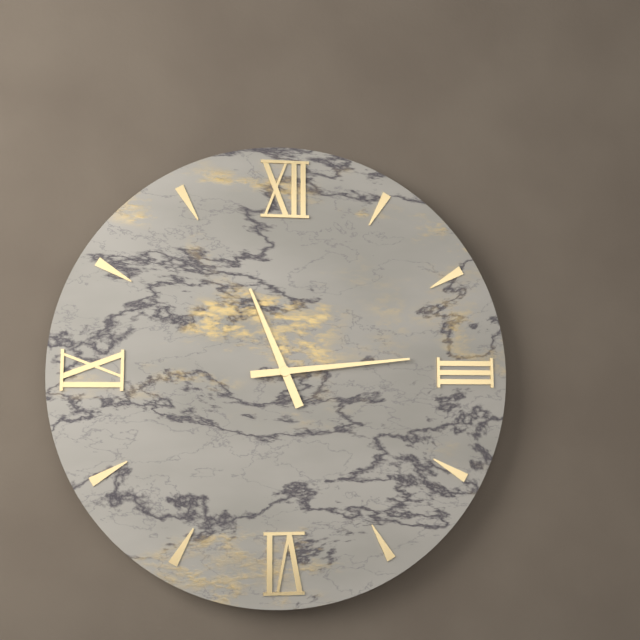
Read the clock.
11:14
